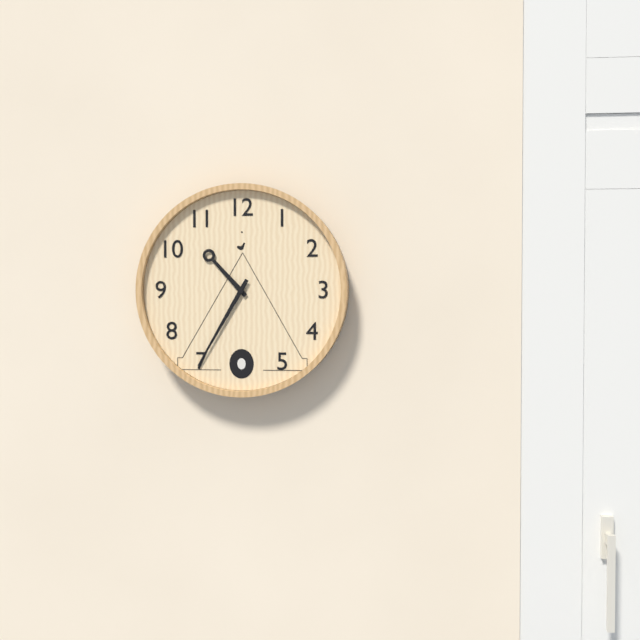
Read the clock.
10:35
